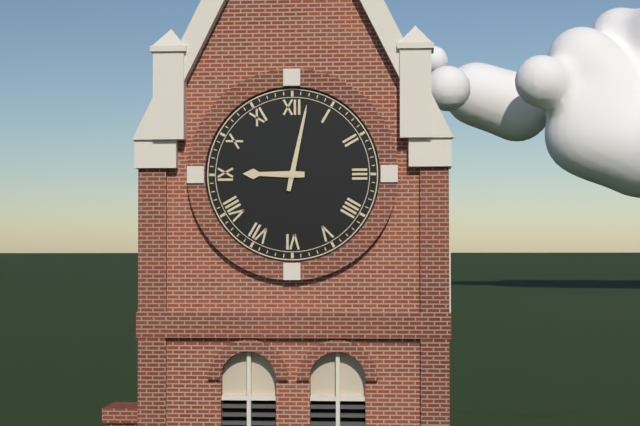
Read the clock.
9:02
